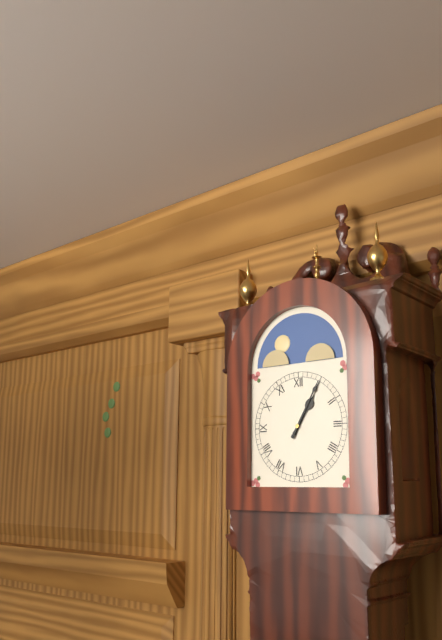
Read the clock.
1:05
